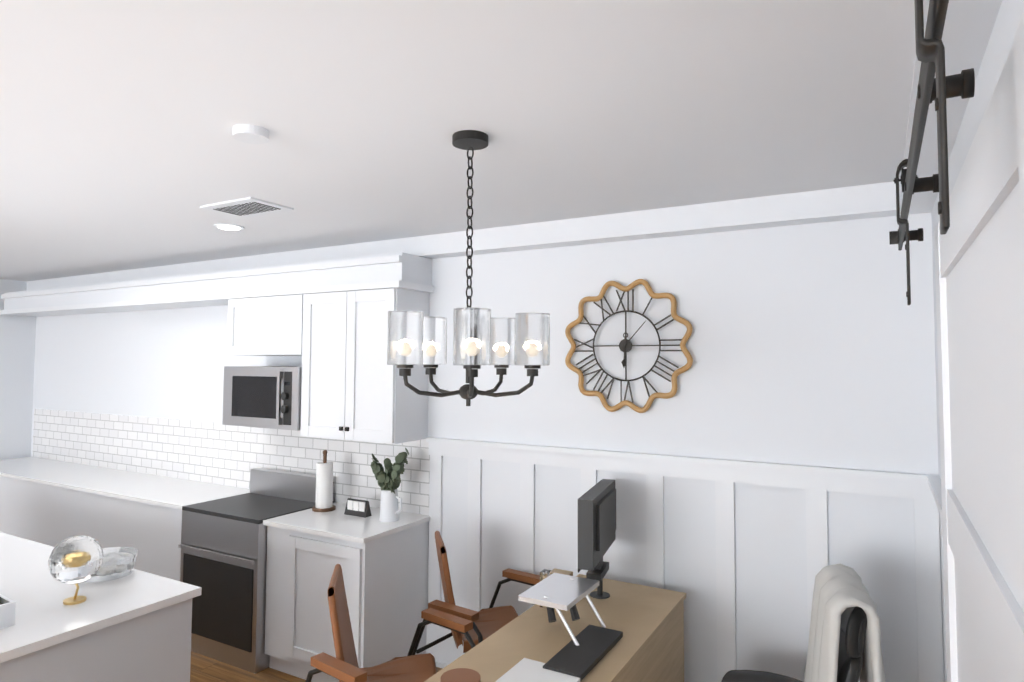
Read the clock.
6:07
